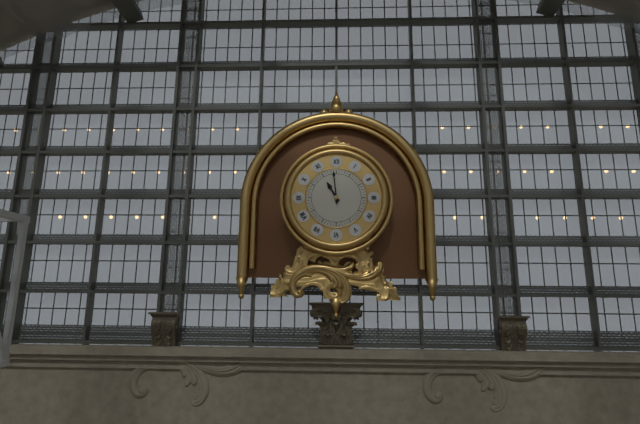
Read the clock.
10:59
